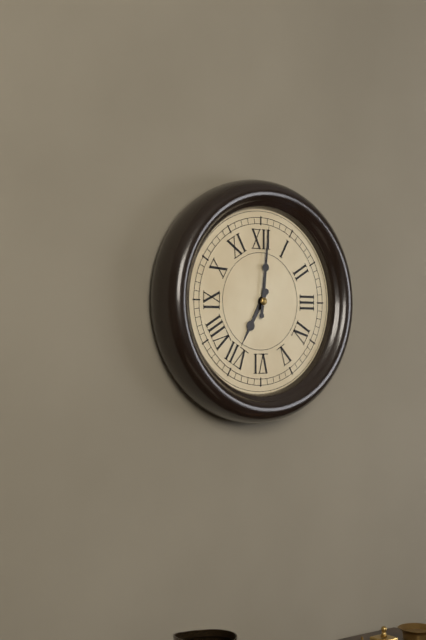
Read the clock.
7:01
